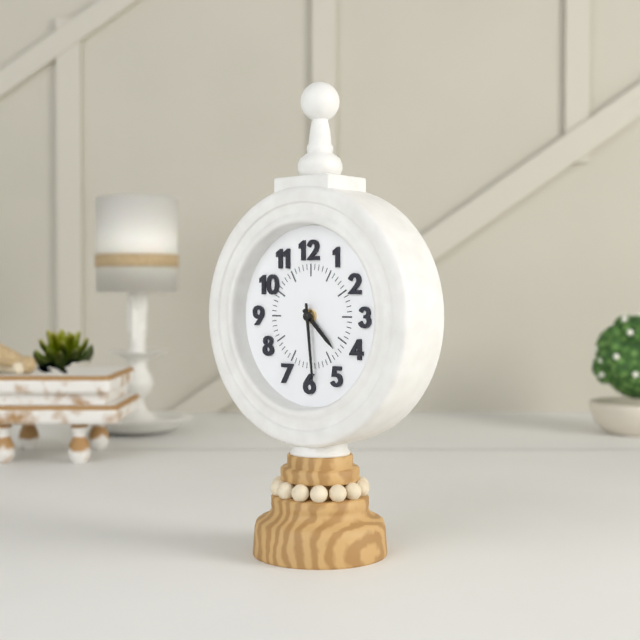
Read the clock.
4:29
